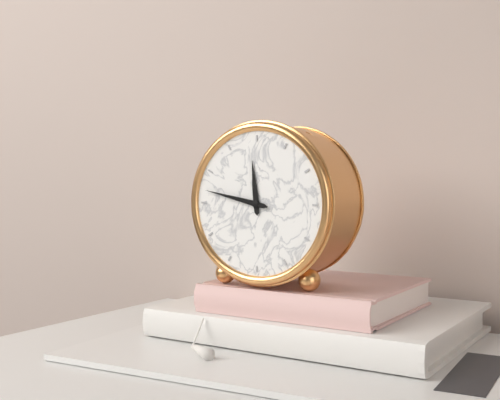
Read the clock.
11:47
